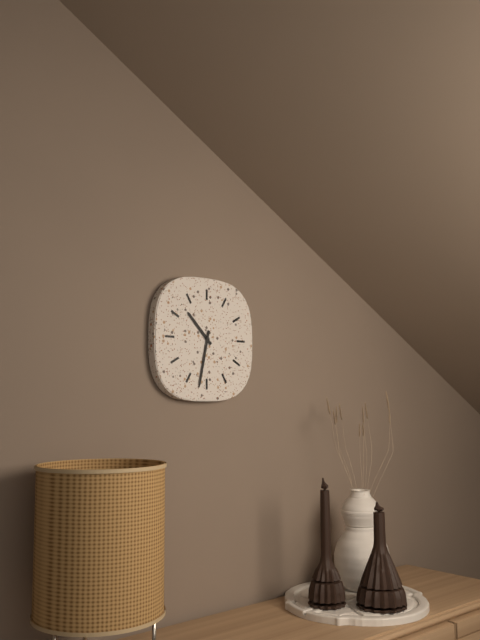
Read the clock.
10:32
